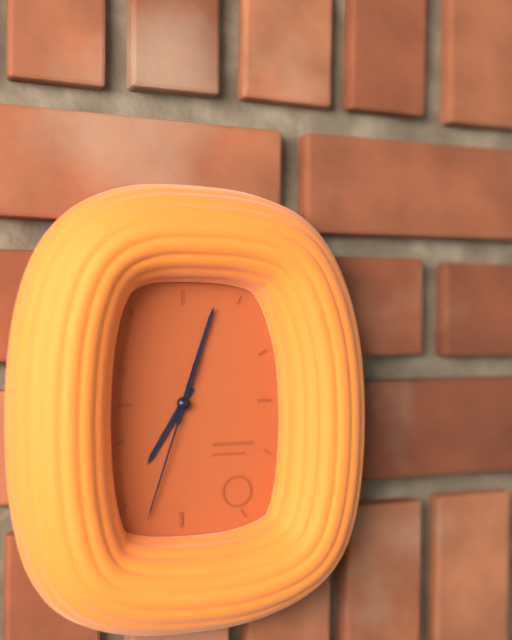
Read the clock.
7:03:33
